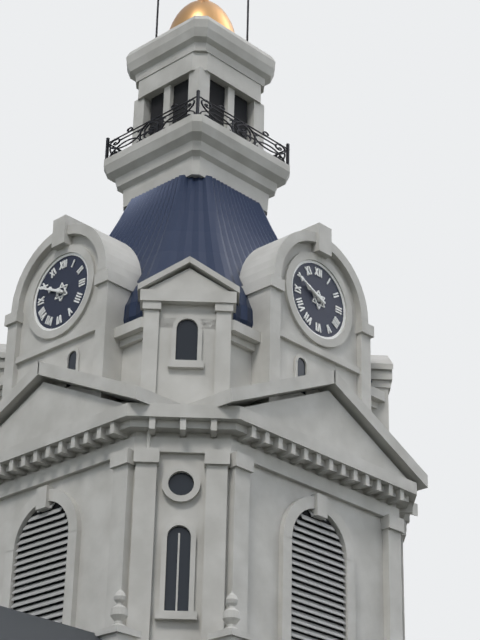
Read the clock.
9:49
